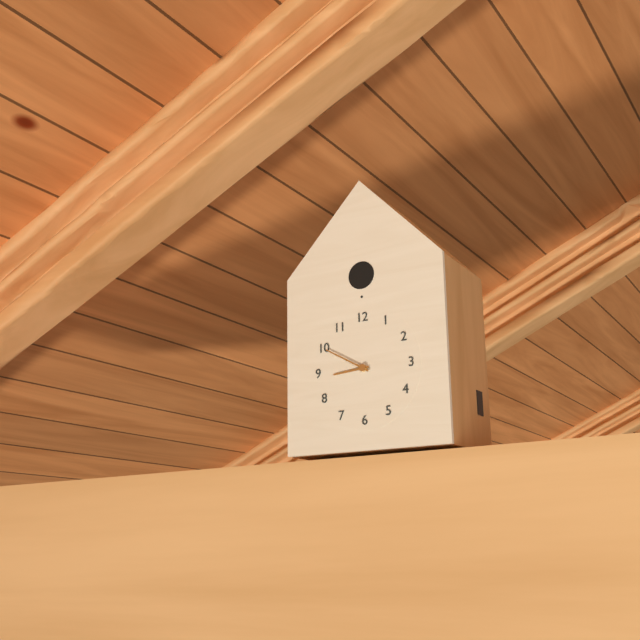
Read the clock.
8:50
